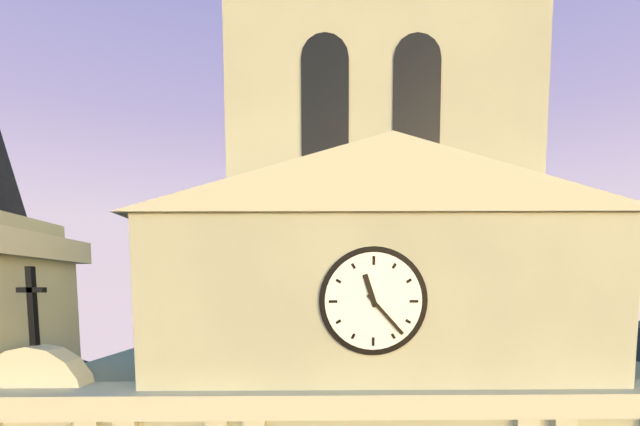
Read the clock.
11:23
